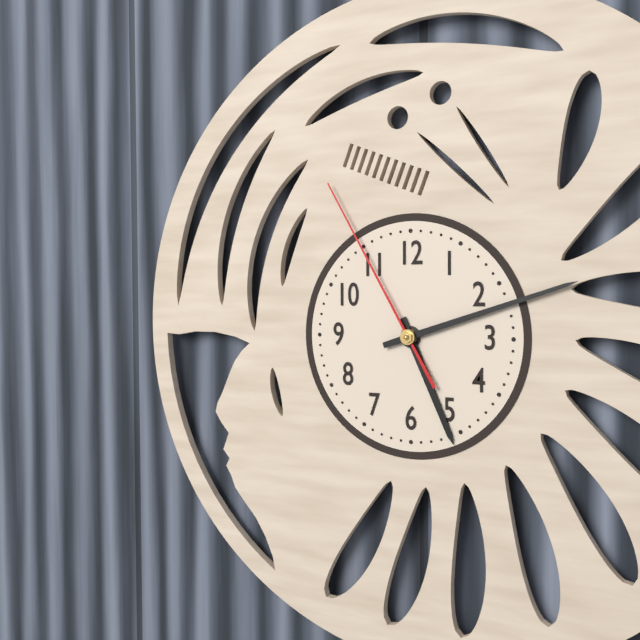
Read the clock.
5:12:55
